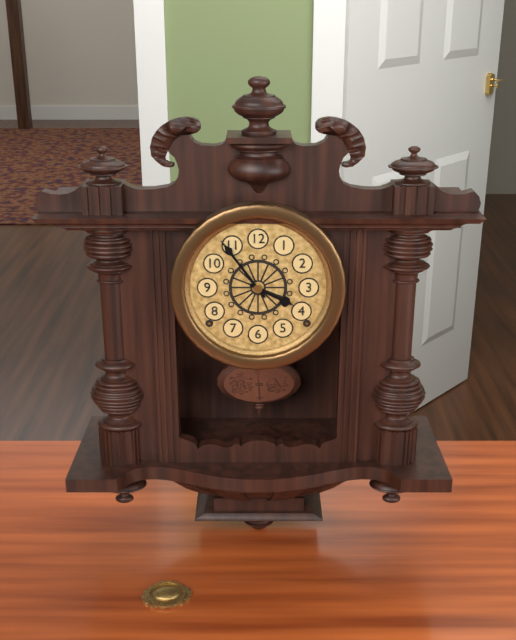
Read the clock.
3:54
